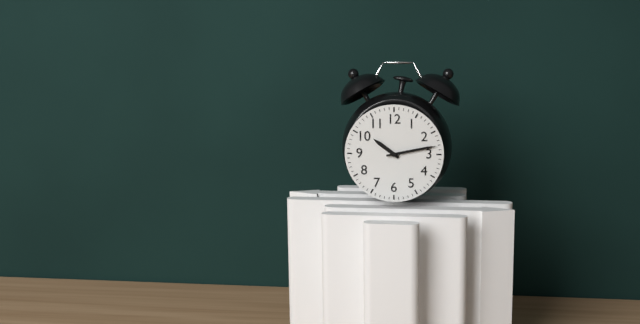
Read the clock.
10:13
